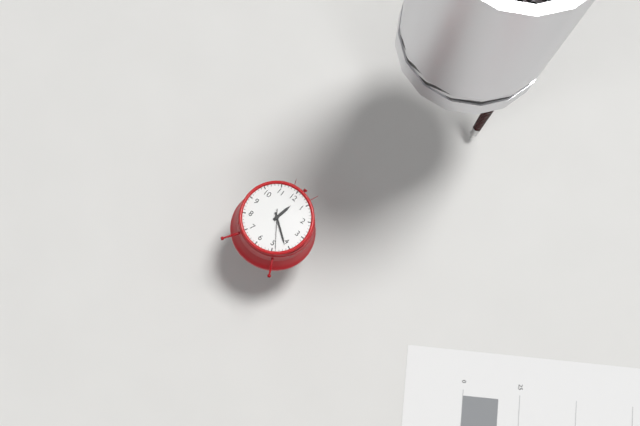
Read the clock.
12:21
